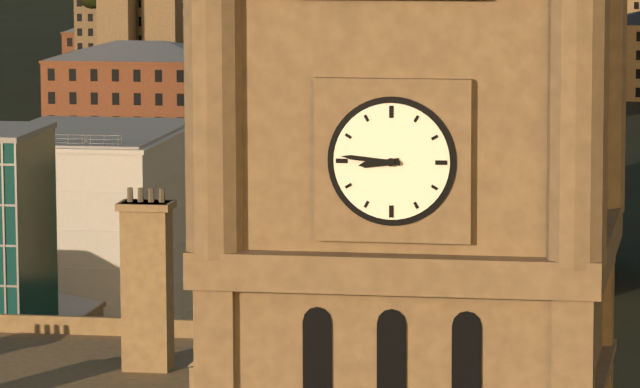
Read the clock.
8:46
